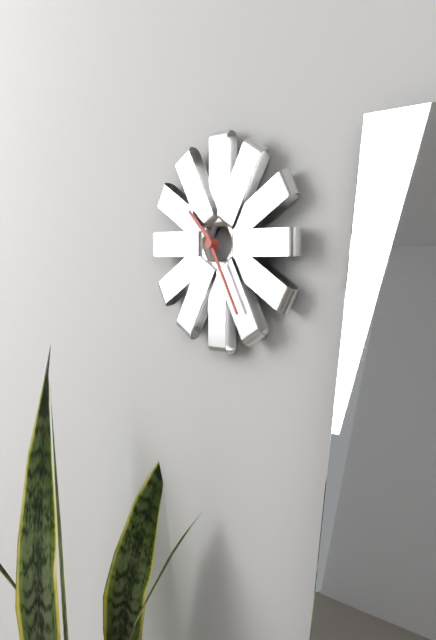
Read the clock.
10:25
